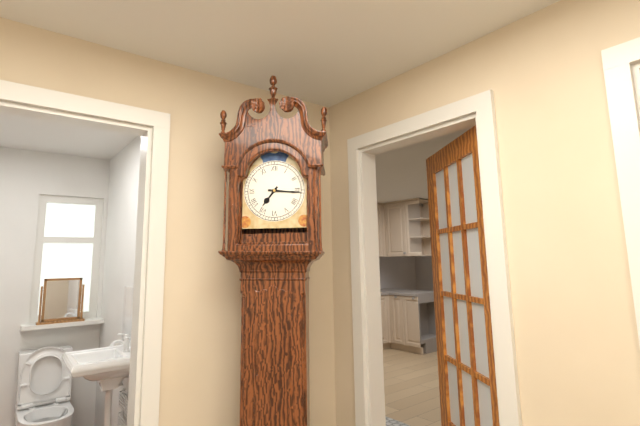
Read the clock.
7:16
